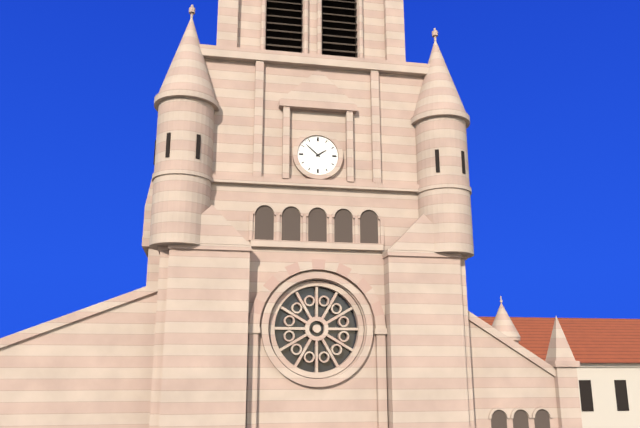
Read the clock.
1:52
